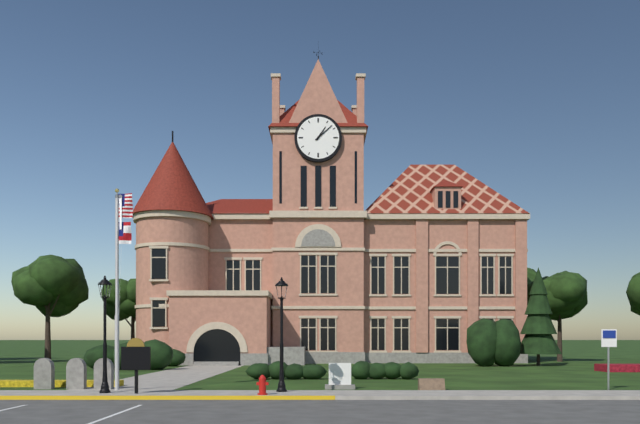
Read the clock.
1:08
